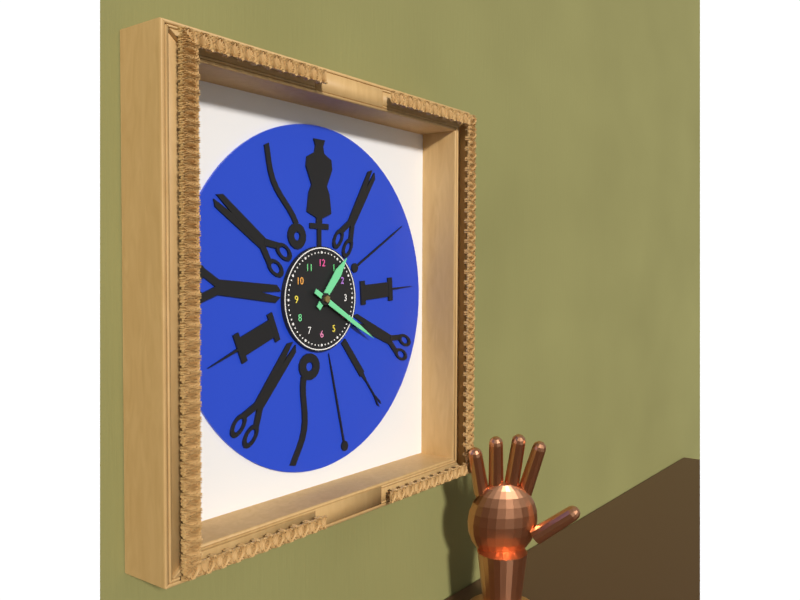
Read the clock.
1:20
